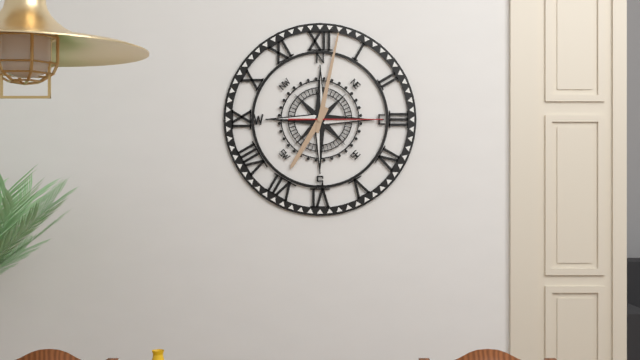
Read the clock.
7:02:15
